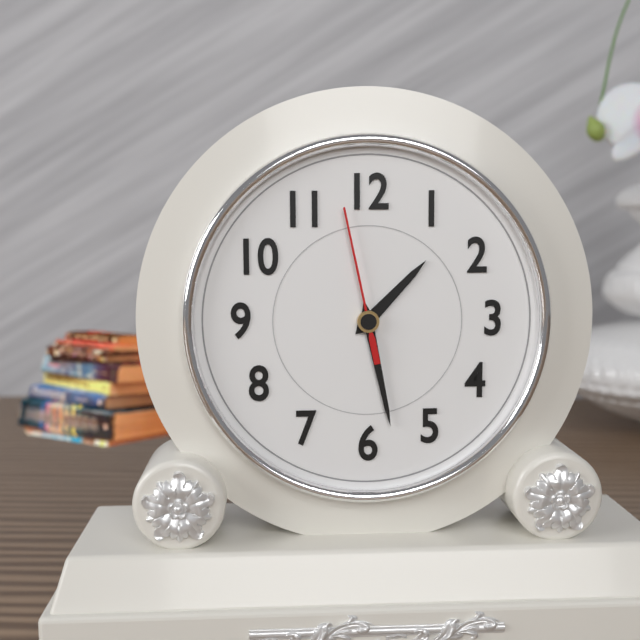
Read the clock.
1:28:58
